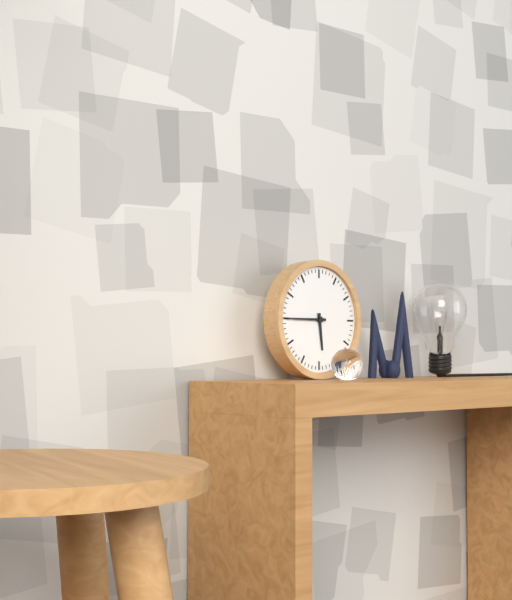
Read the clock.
5:45
